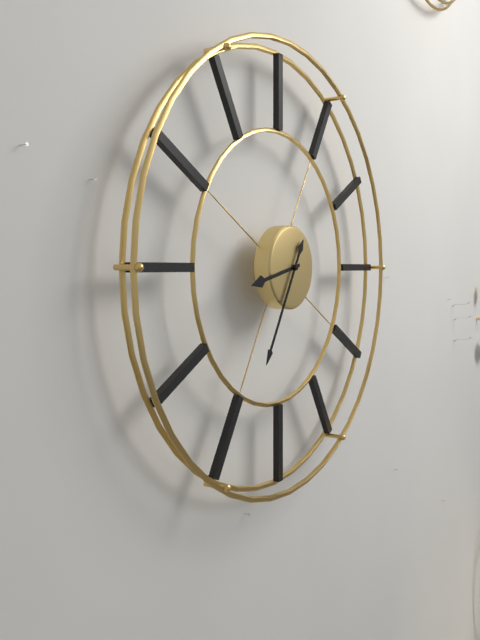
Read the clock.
8:35
